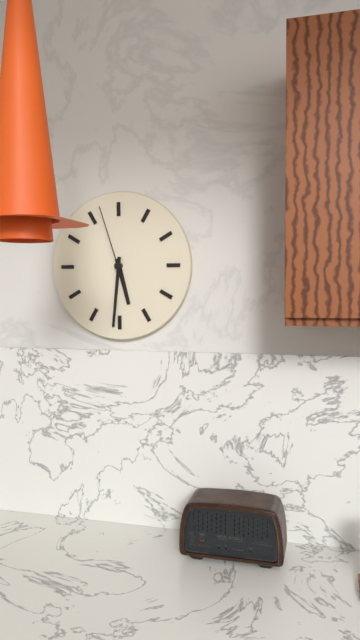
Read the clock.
5:31:57
